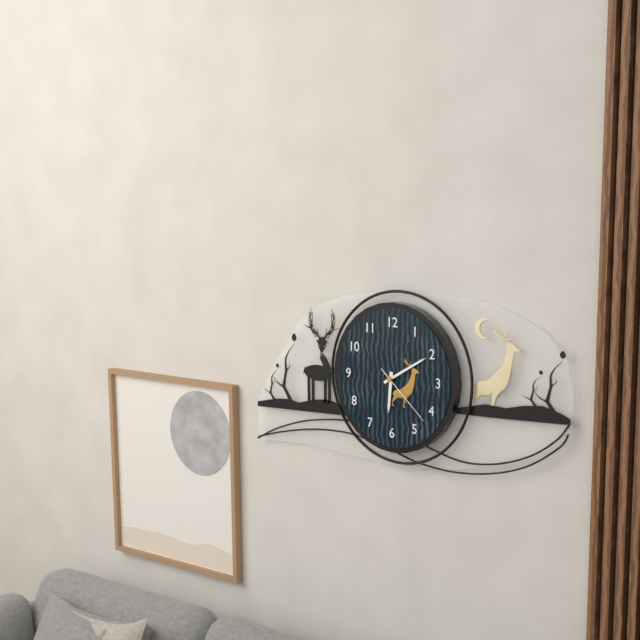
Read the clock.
6:10:22
